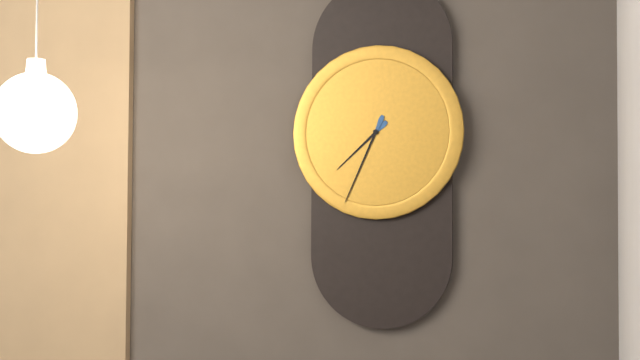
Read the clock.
7:34
